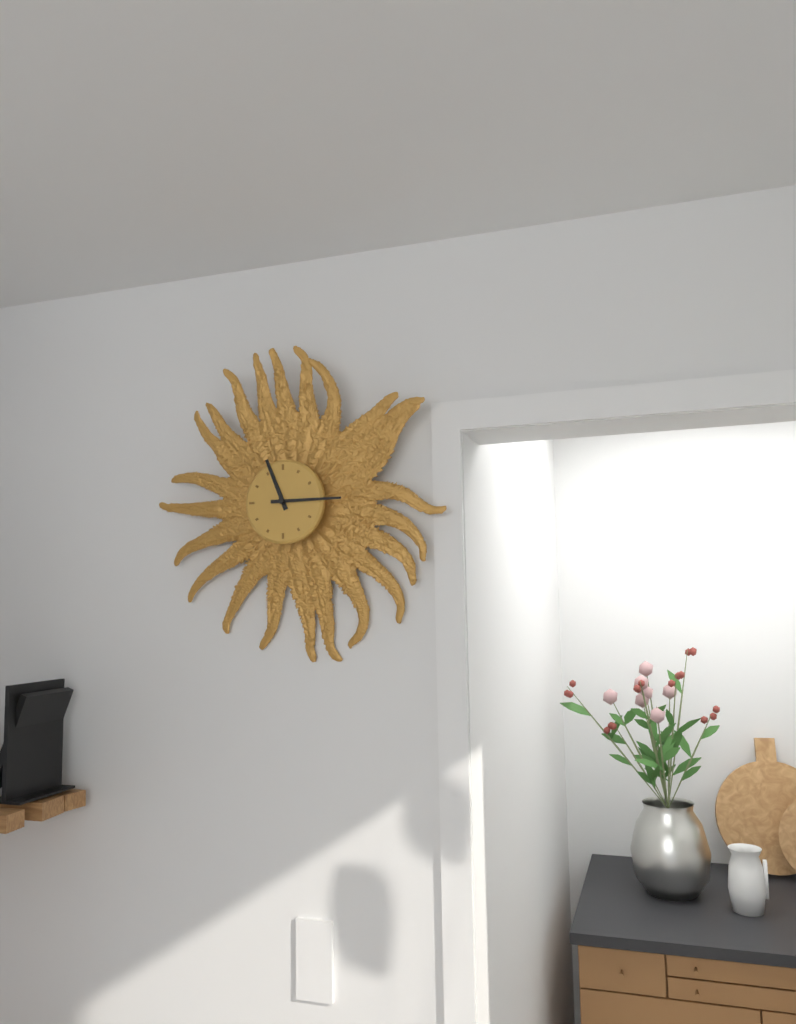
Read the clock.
11:15
